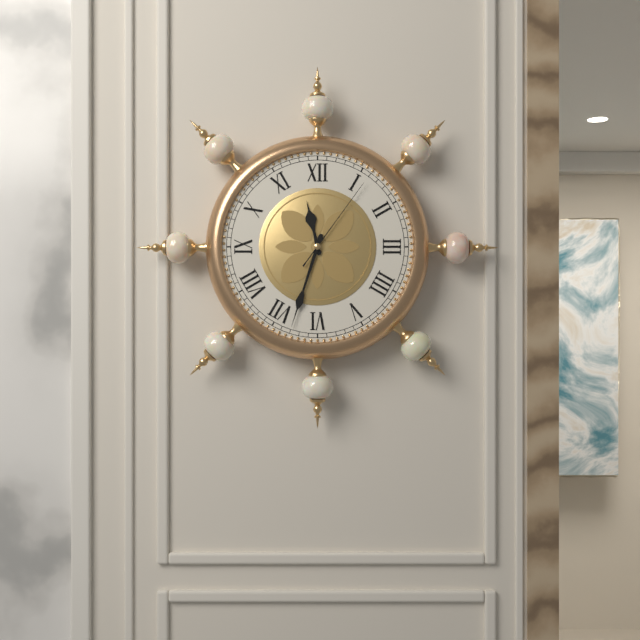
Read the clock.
11:33:06
